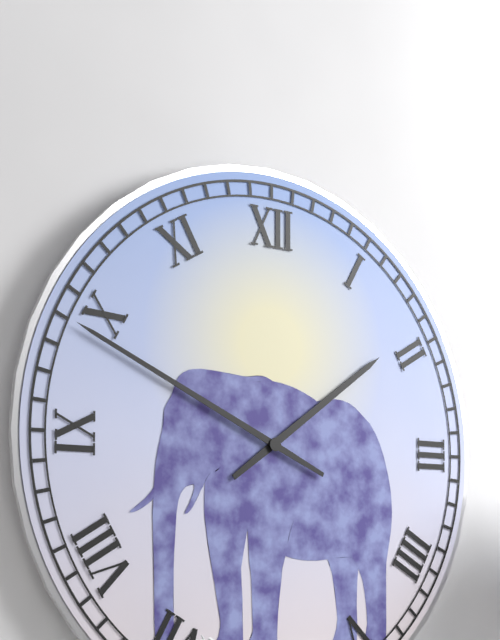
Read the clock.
1:49
